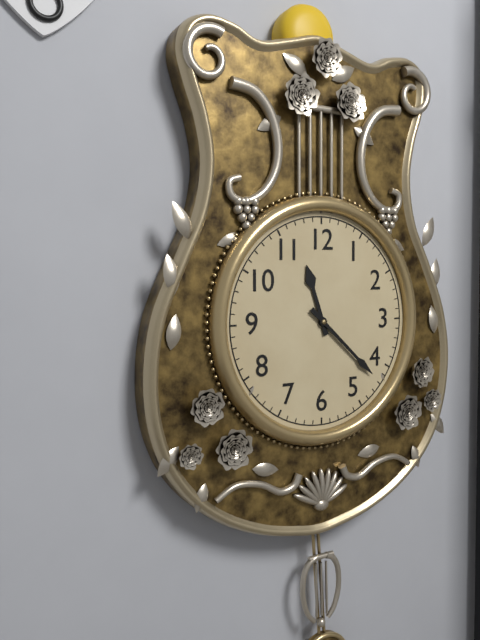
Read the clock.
11:22
